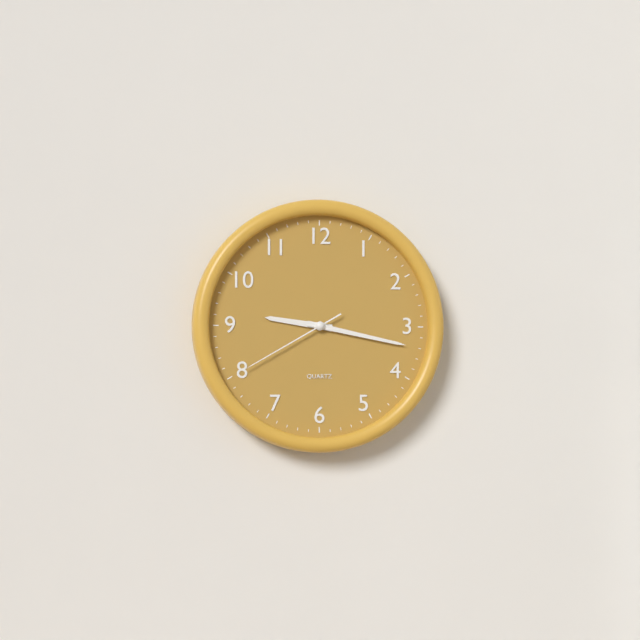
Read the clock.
9:17:40
